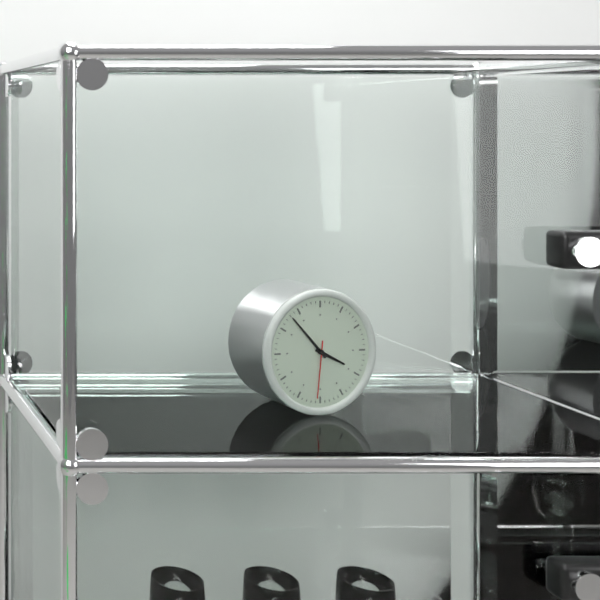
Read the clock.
3:53:31
